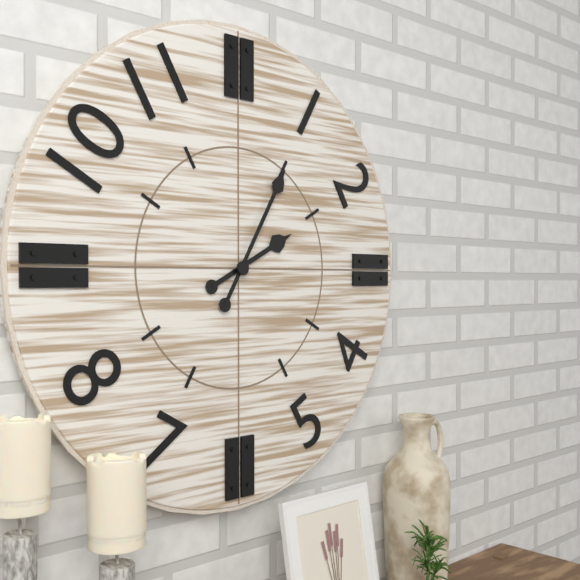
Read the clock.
2:05
